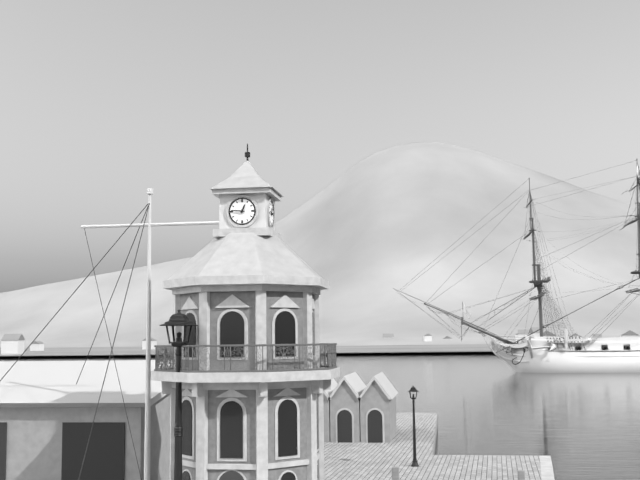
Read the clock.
12:46
